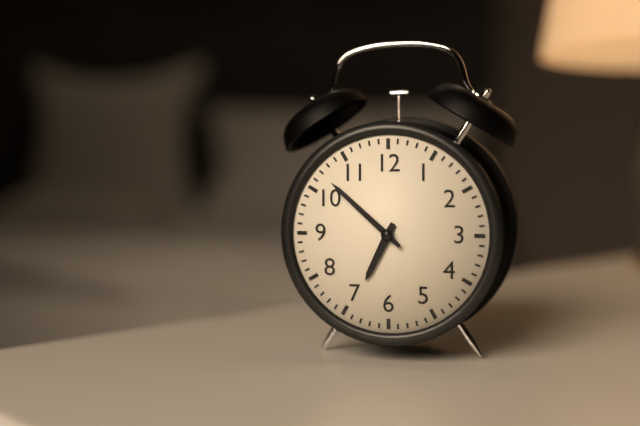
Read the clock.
6:52
